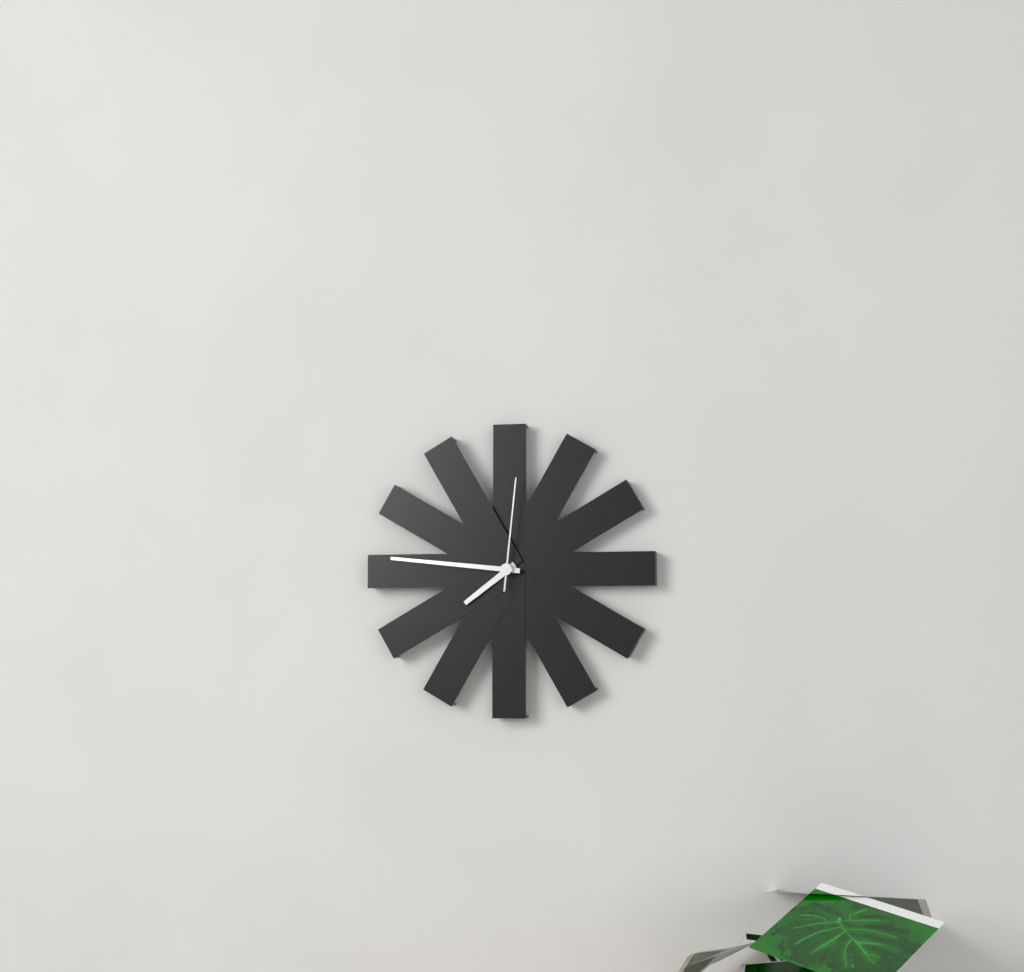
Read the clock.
7:46:01
